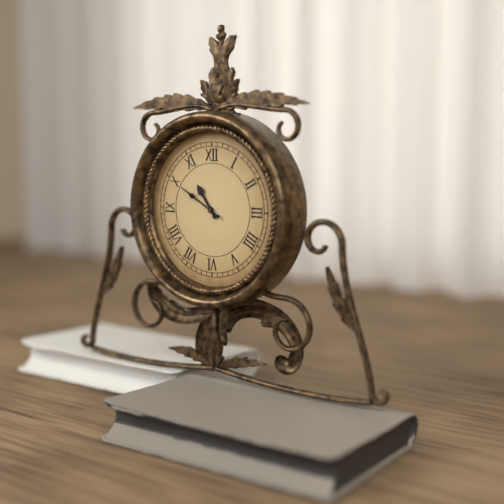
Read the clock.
10:50
